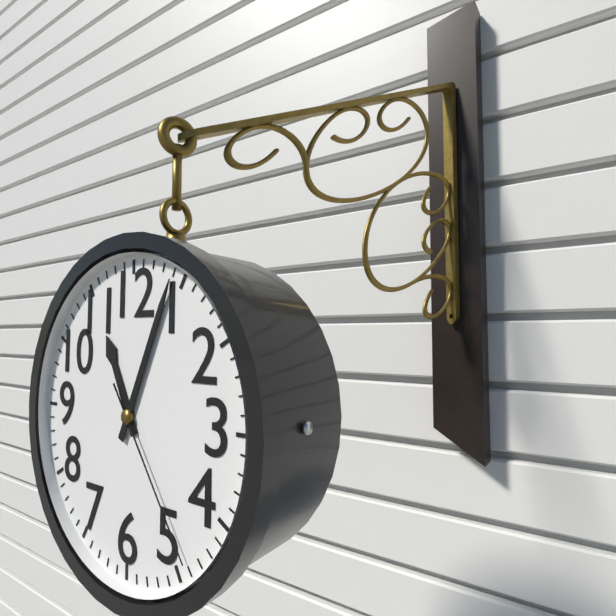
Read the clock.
11:04:24
